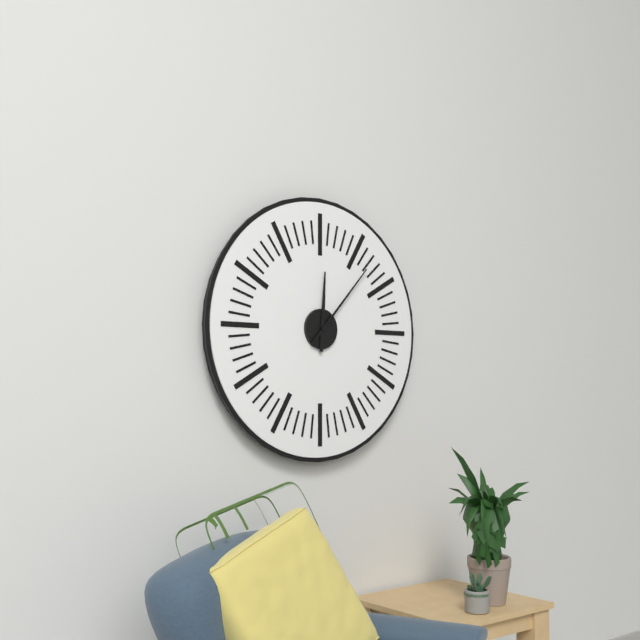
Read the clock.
12:07
